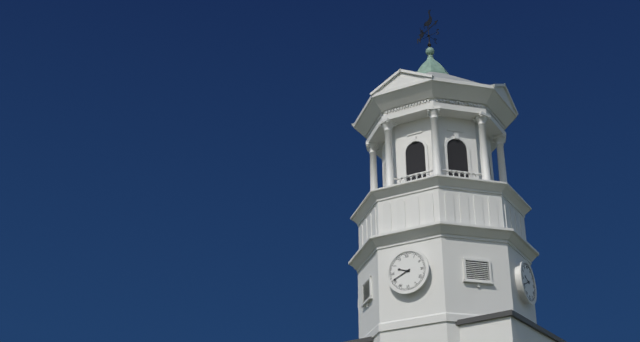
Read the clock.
9:41
